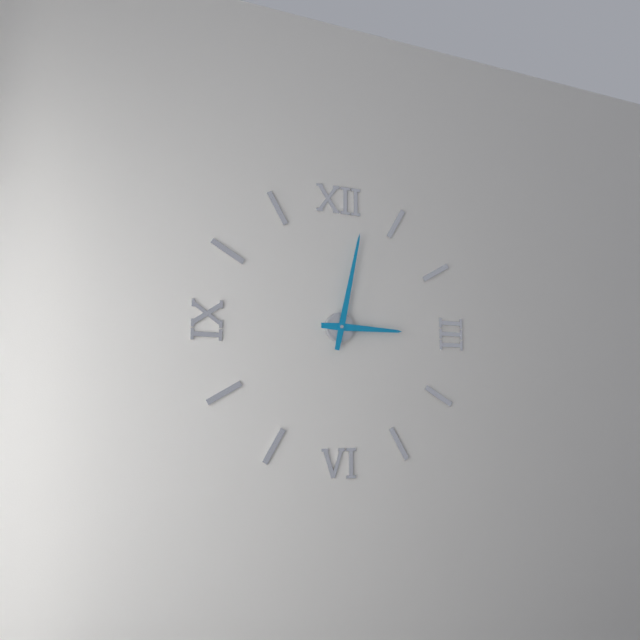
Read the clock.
3:02
